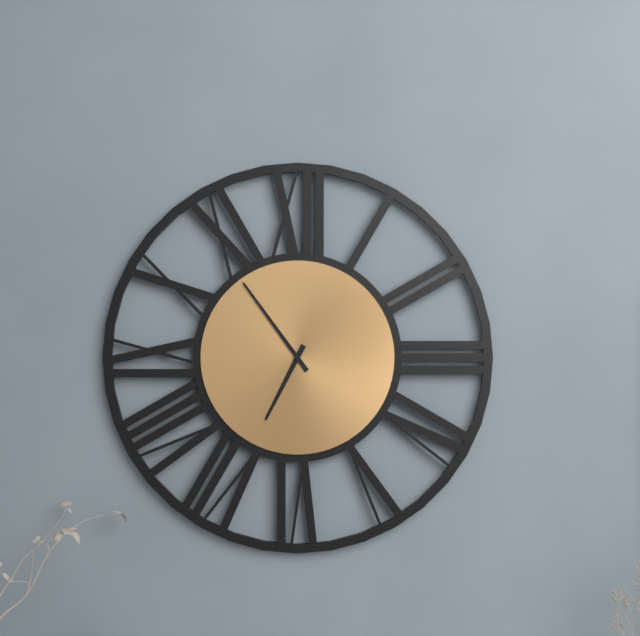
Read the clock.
6:54
